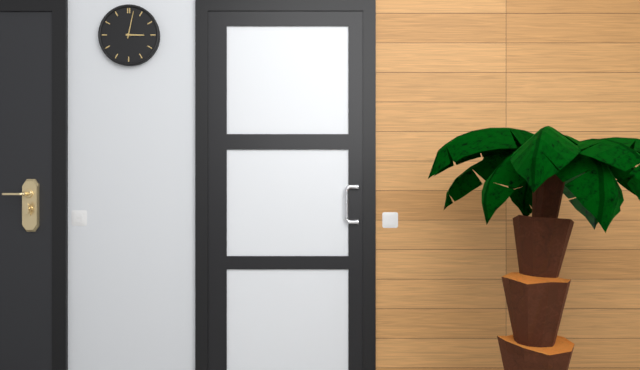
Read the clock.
3:02
